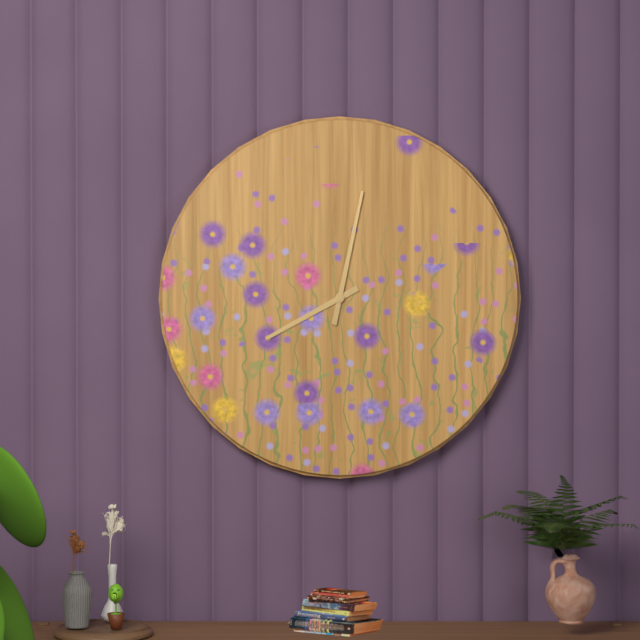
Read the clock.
8:02
